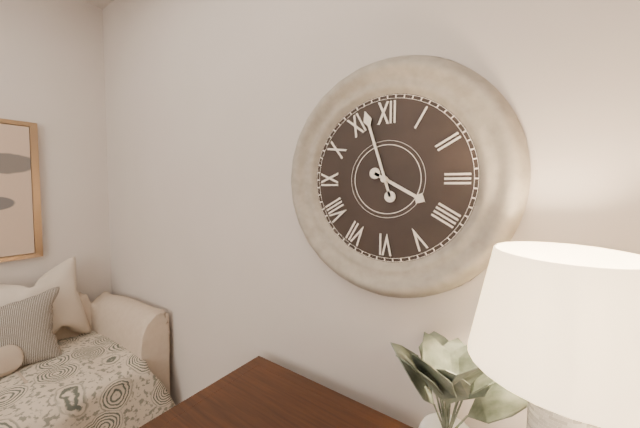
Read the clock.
3:57
